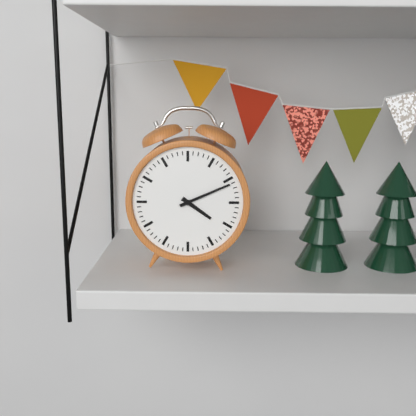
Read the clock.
4:11
